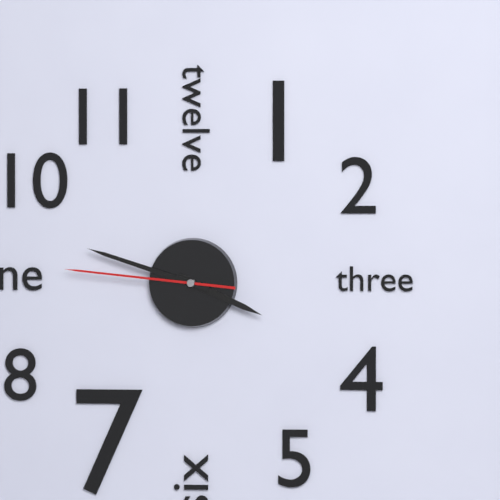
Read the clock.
3:48:46
